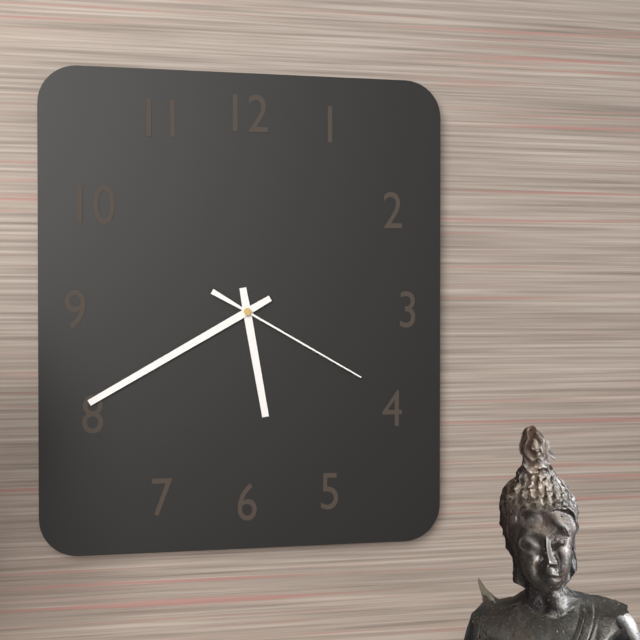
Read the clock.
5:40:20
